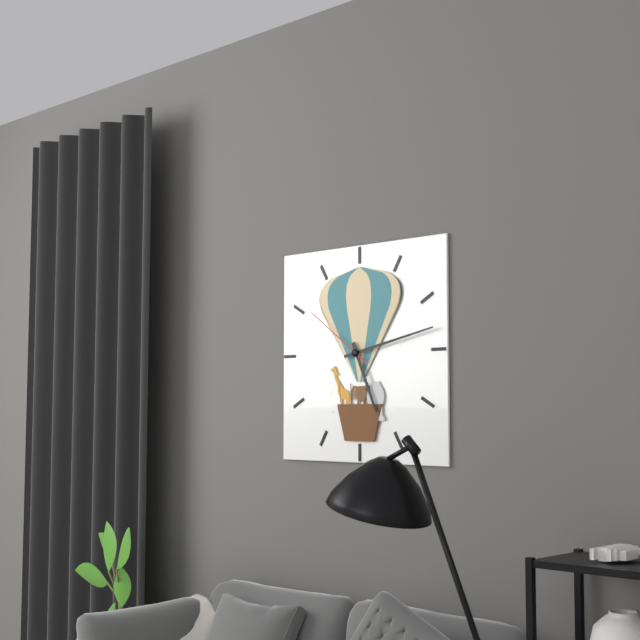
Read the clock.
5:13:51
